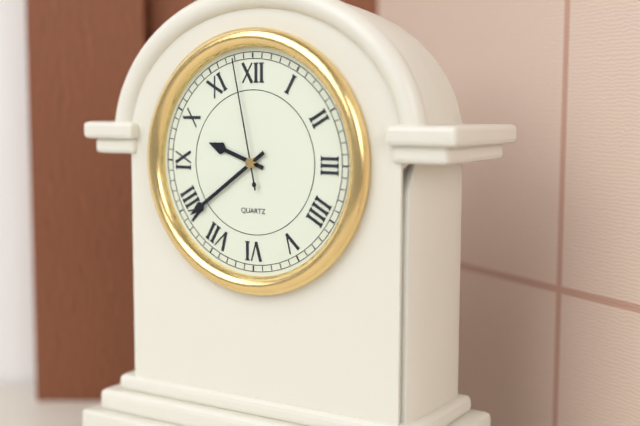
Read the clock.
9:39:58
